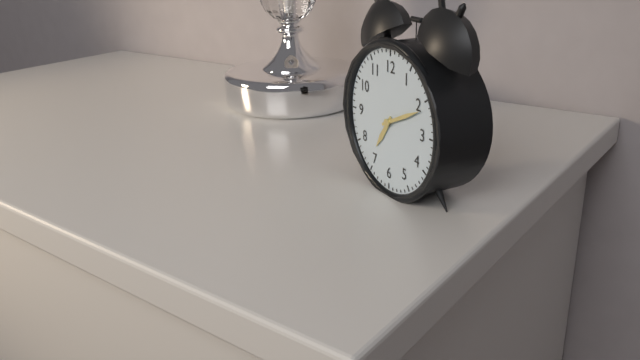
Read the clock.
7:11
